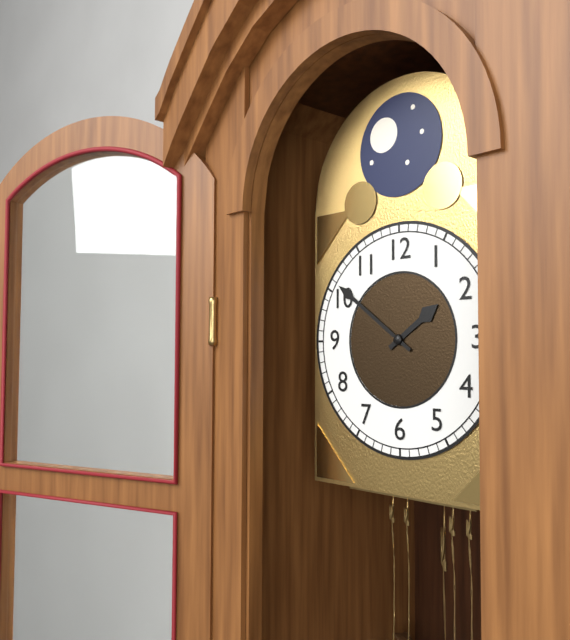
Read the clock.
1:51
